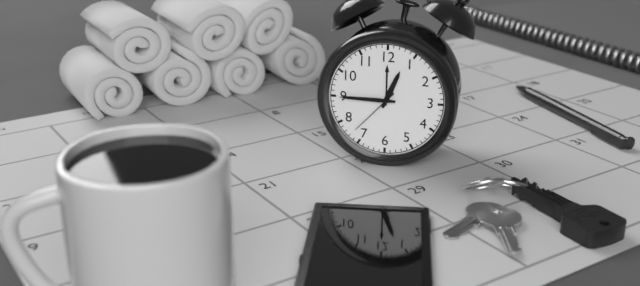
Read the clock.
12:45:37
